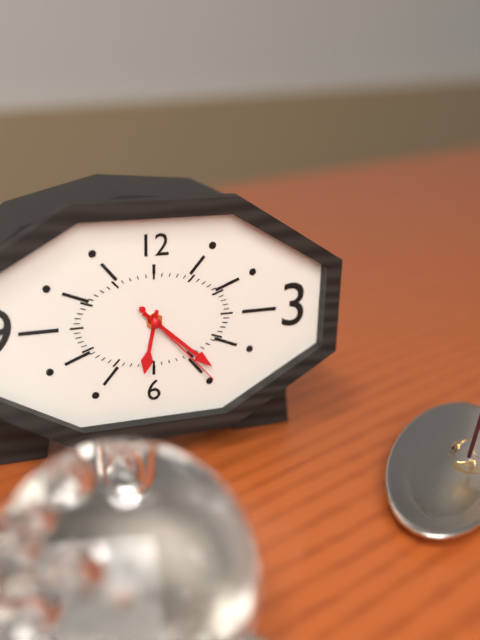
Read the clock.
6:22:23
